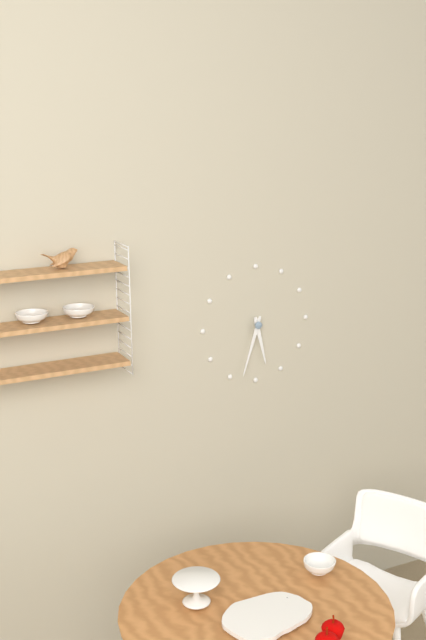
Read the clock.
5:33
